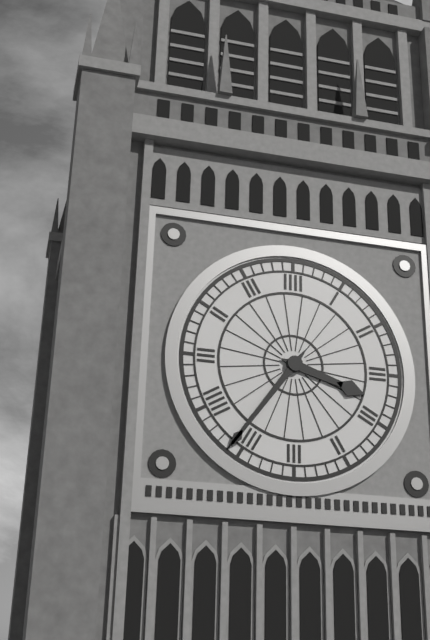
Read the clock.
3:36
